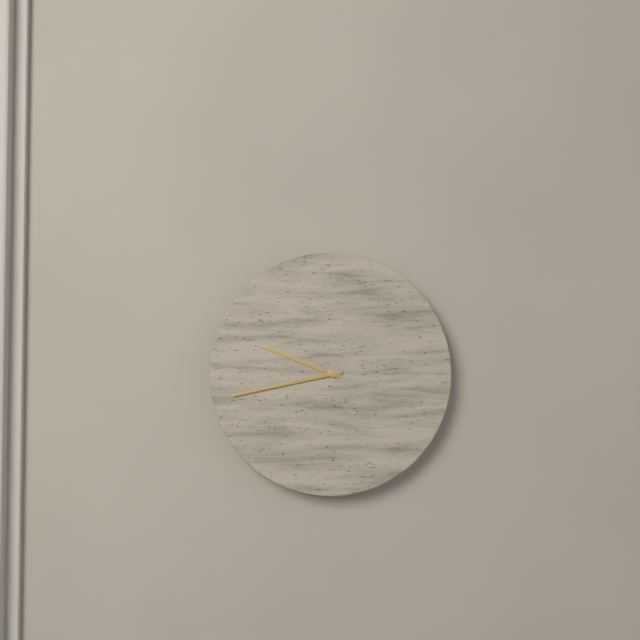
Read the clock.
9:43
